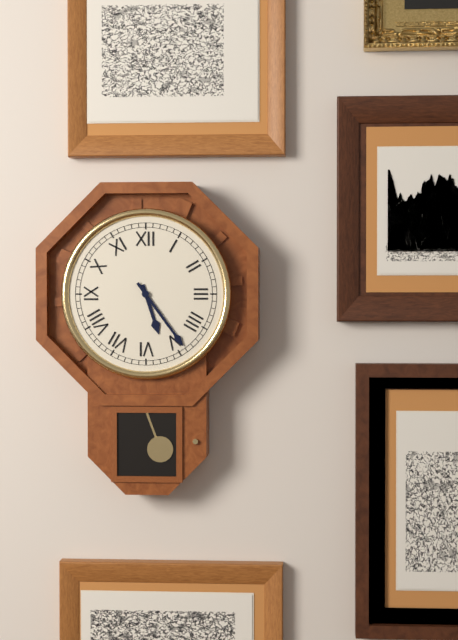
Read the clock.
5:24
